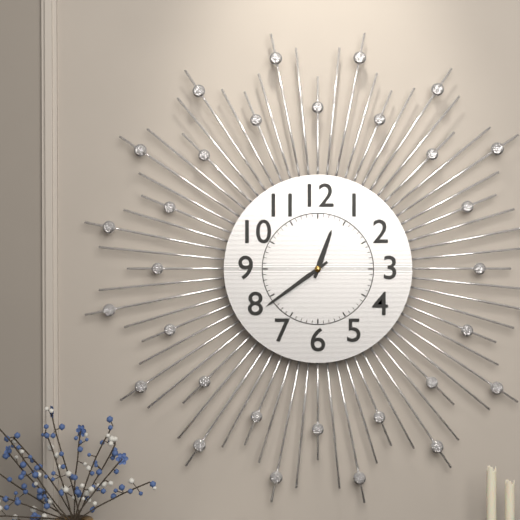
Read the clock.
12:39
